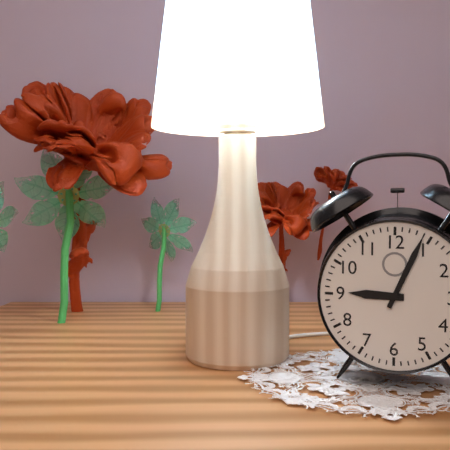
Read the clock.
9:04
